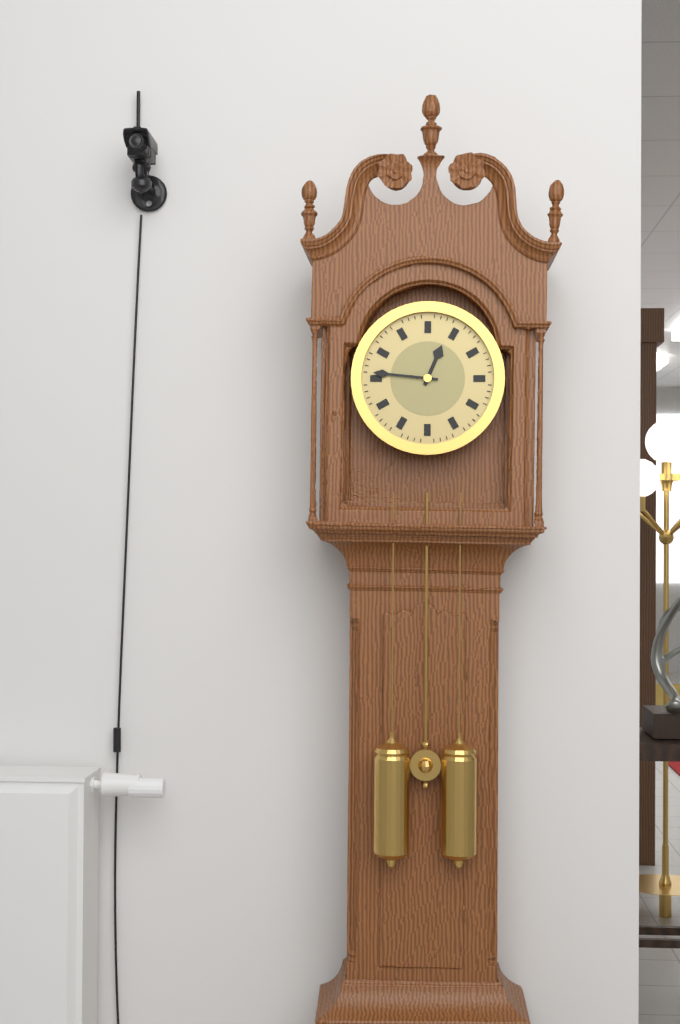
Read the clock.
12:46
